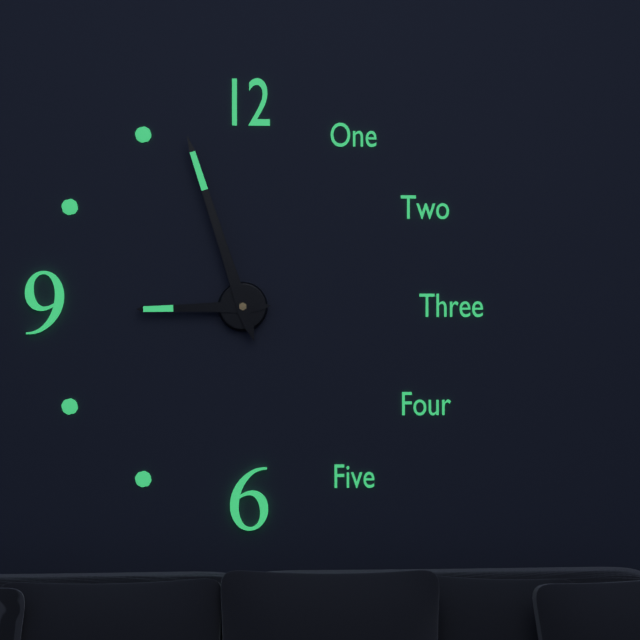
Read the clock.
8:57
